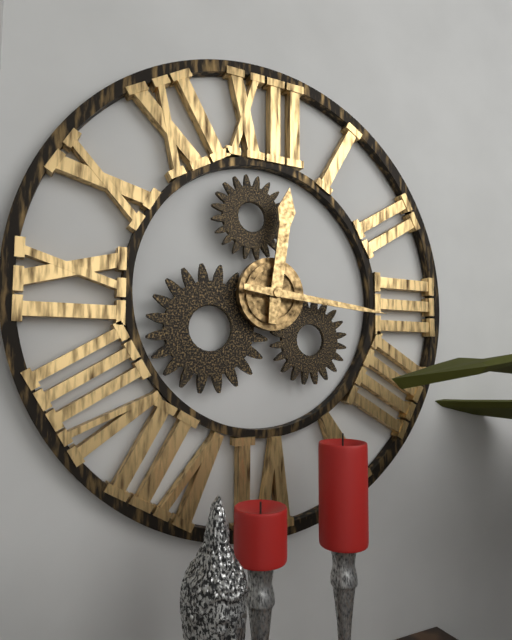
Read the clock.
12:16
